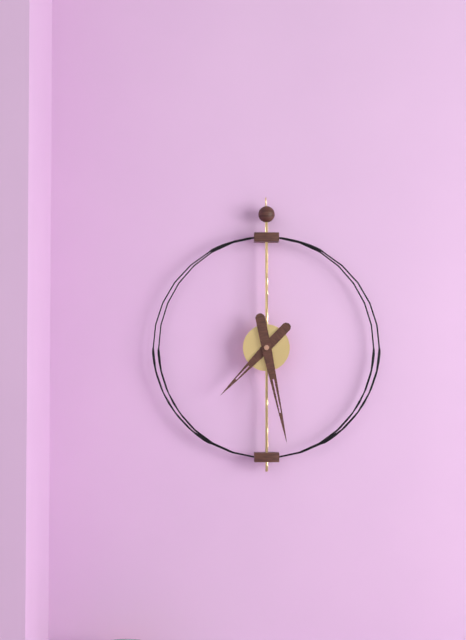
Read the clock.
7:28
